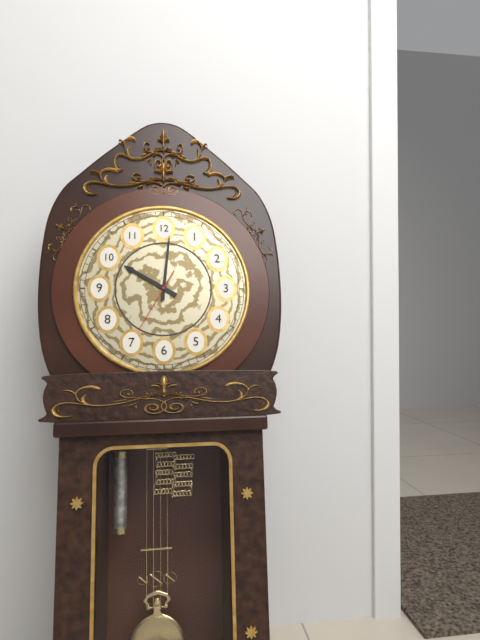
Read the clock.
10:01
